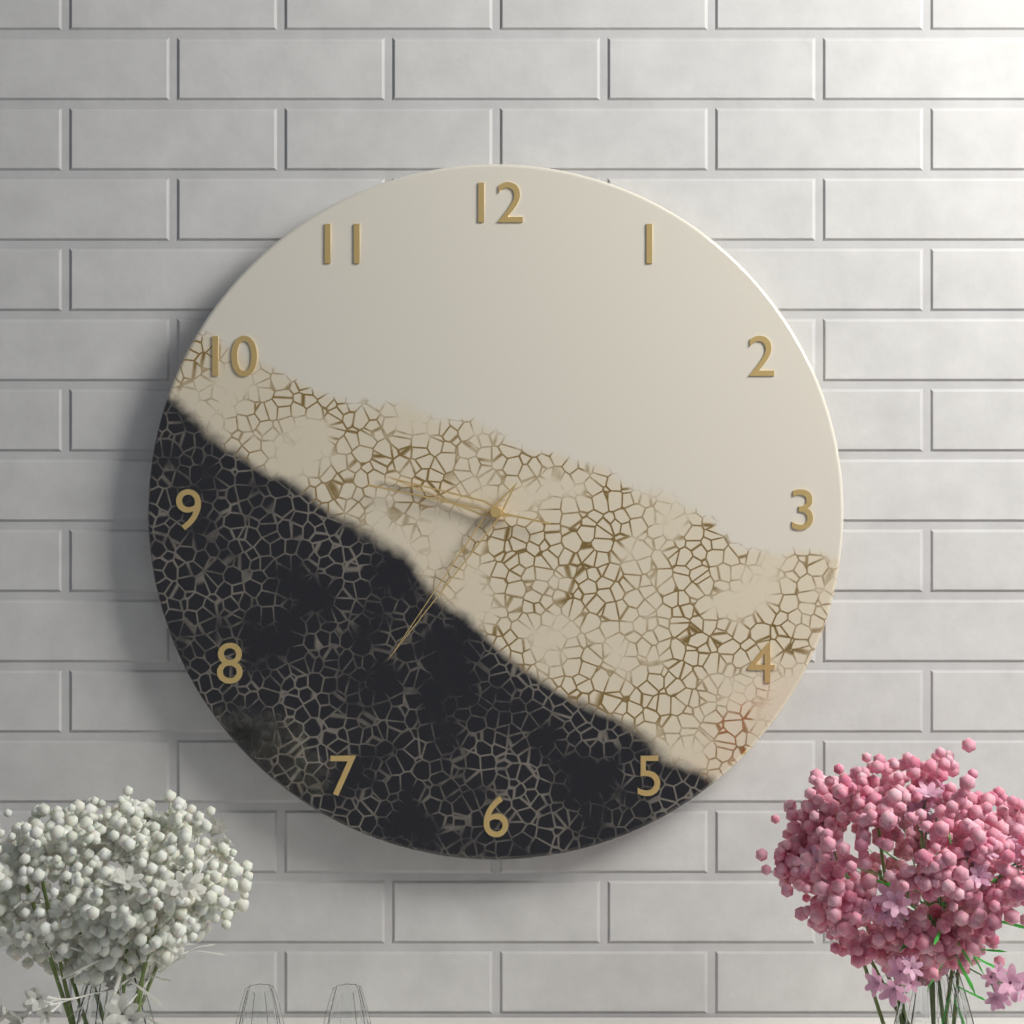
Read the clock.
9:36:47
